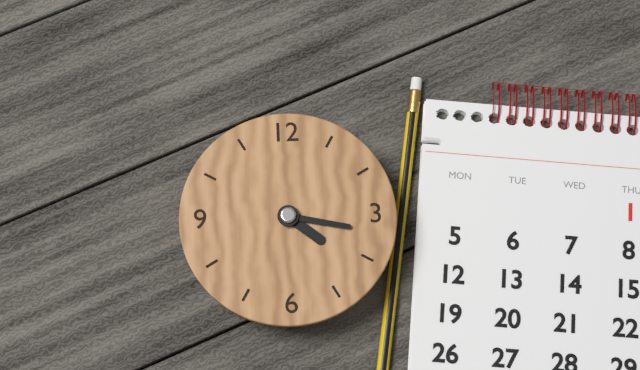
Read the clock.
4:17
